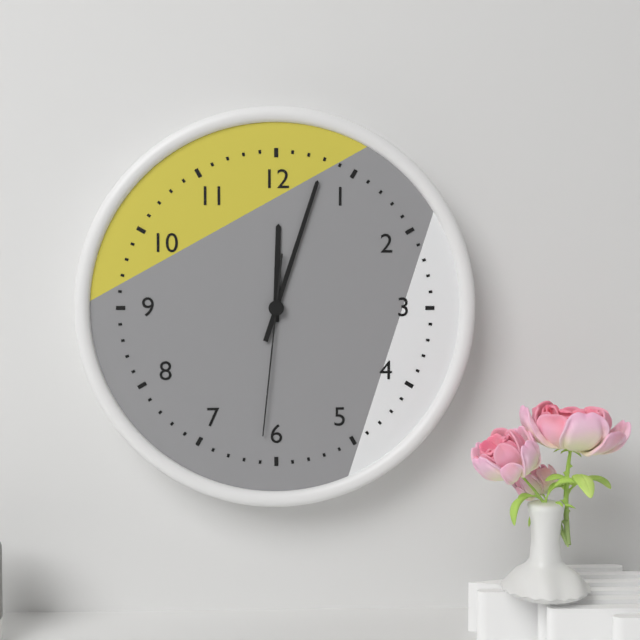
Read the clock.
12:03:31
